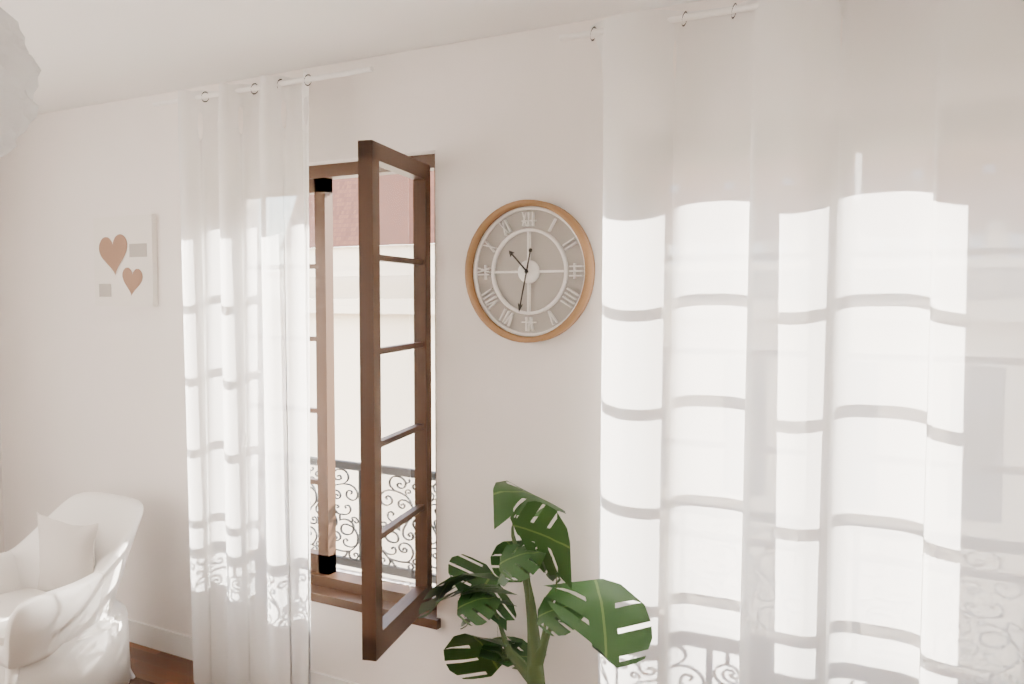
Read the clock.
10:32
